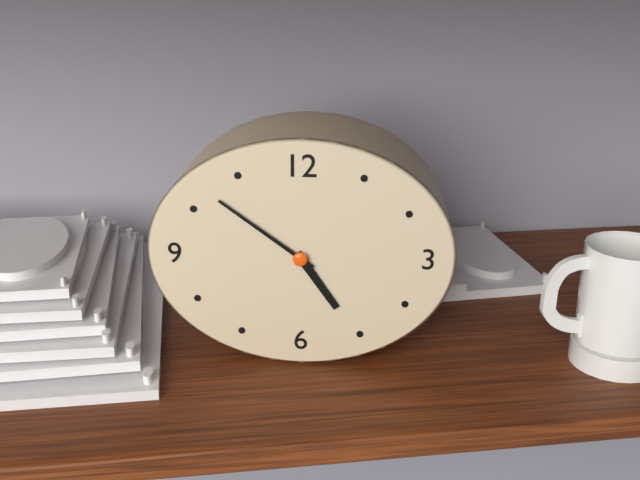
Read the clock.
4:51
